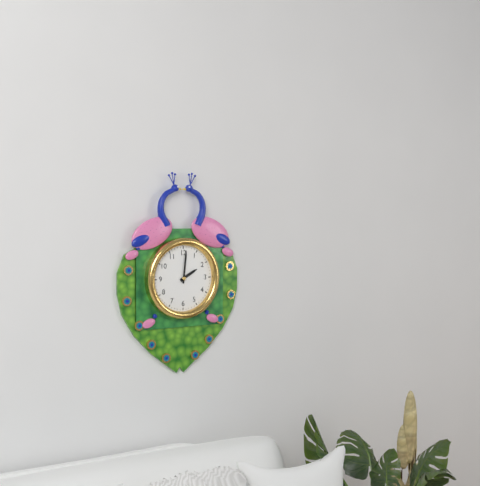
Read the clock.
2:01
